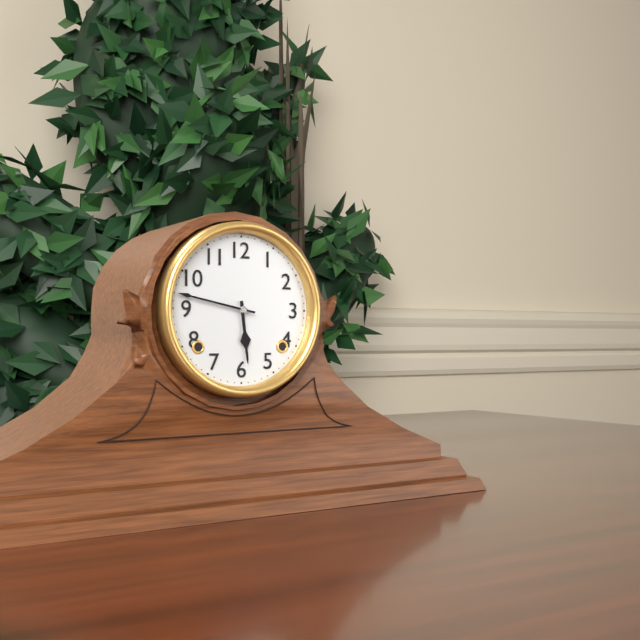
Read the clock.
5:47
